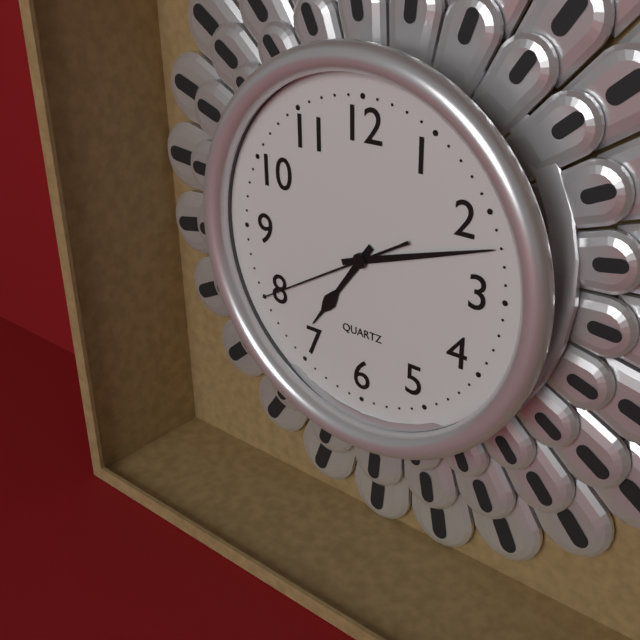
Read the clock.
7:12:40
